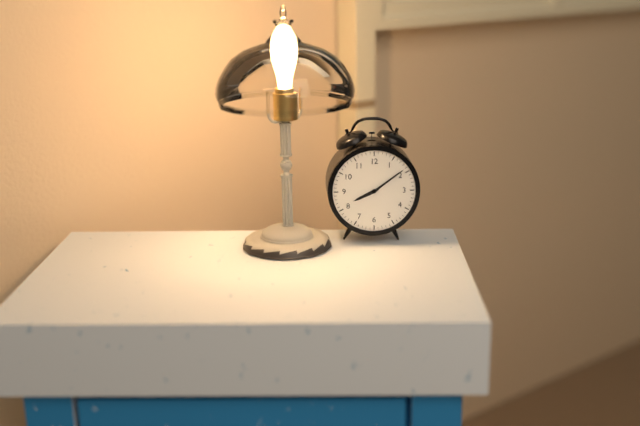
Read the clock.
8:09
